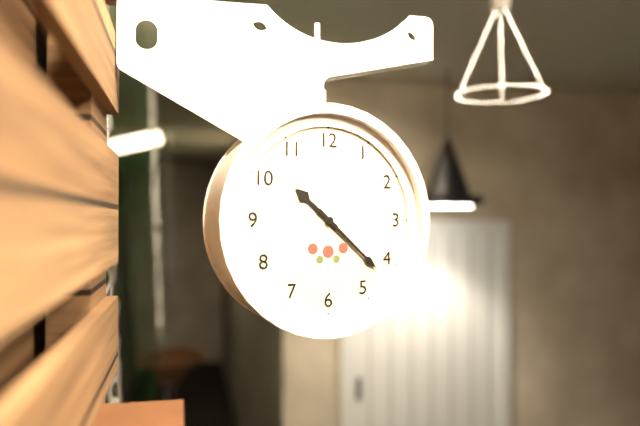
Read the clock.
10:22
